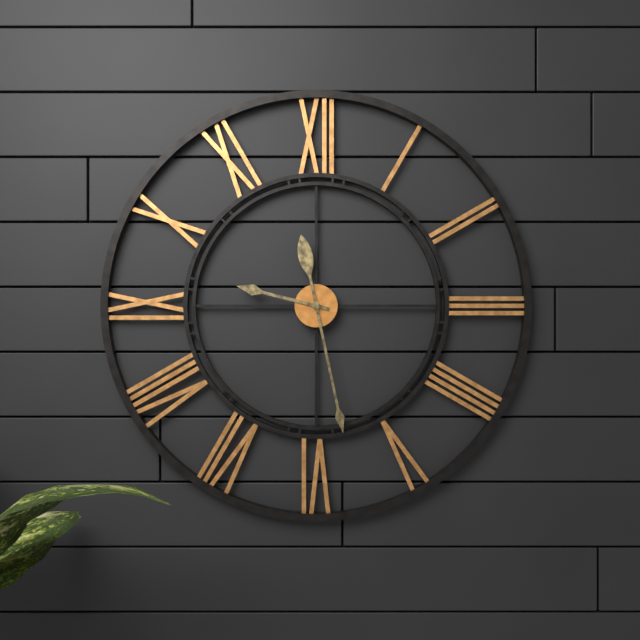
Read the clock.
9:28
